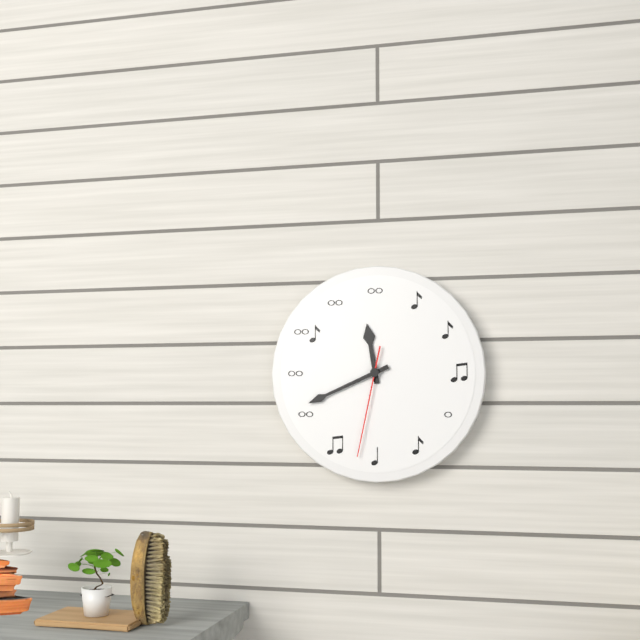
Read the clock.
11:41:32
